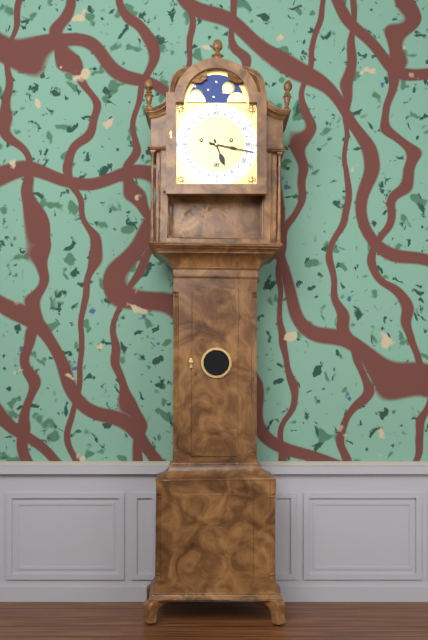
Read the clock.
5:17
